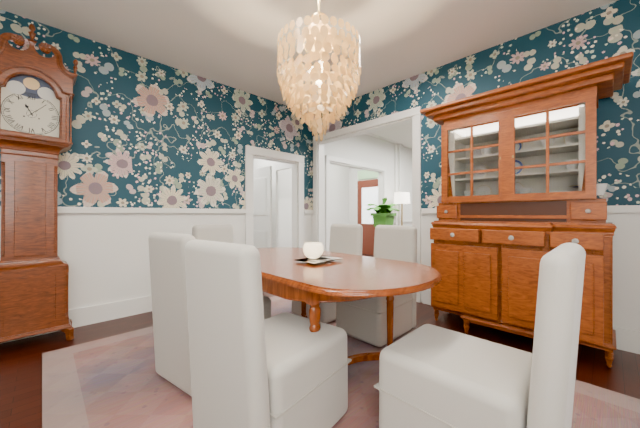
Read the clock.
11:07
